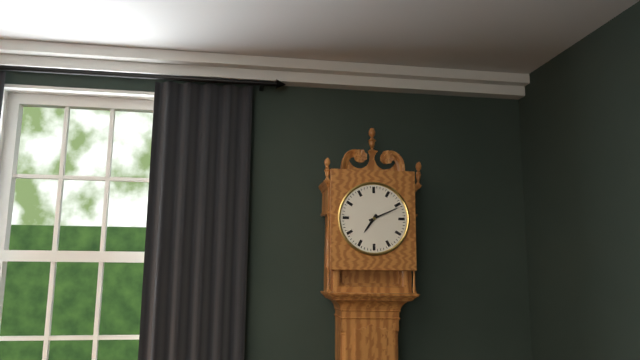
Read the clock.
7:11
